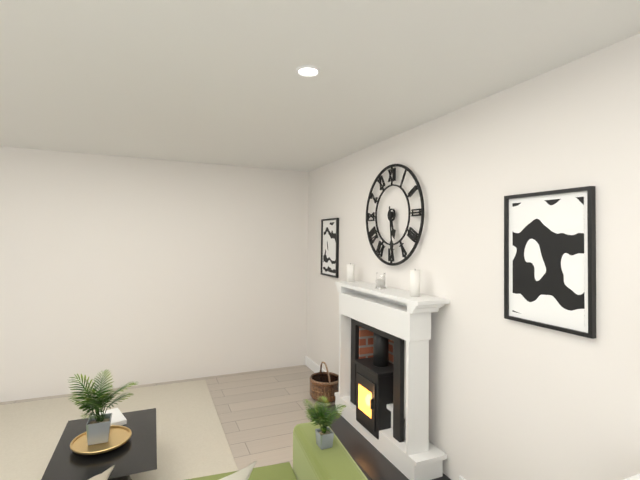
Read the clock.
5:29
